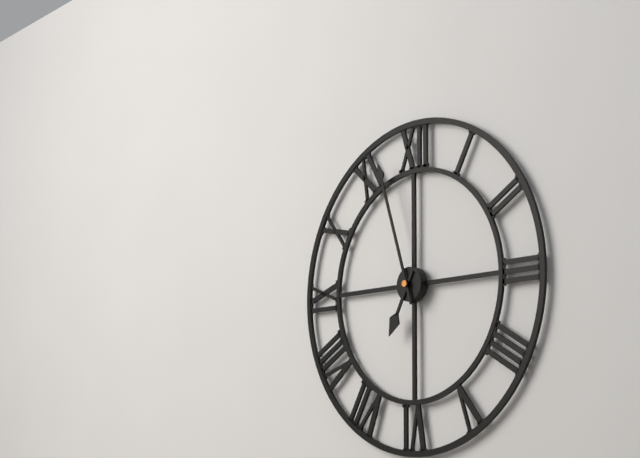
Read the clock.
6:57
